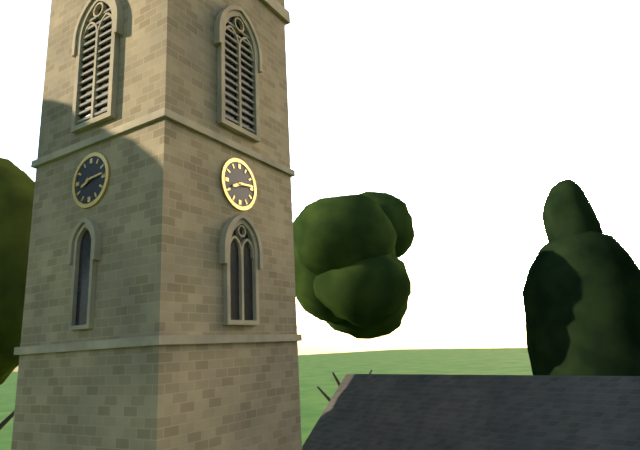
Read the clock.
8:14
